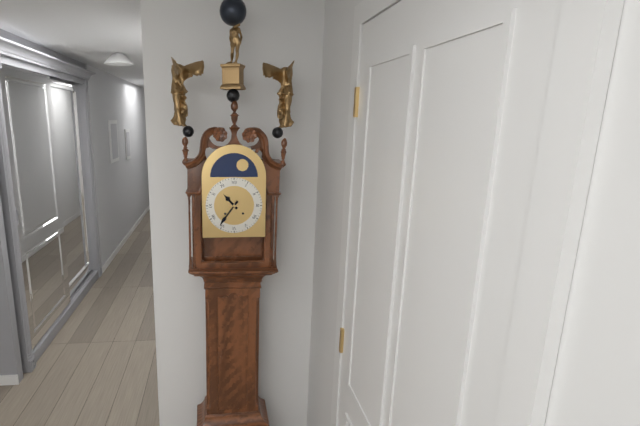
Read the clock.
10:36
